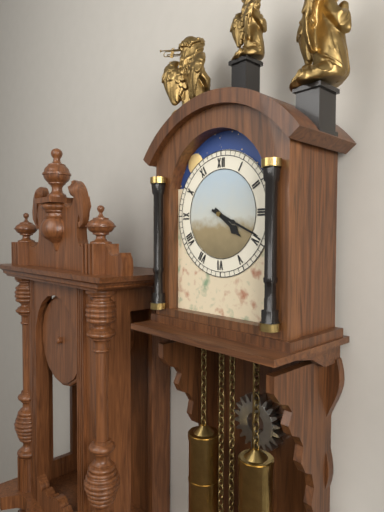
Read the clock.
4:19
